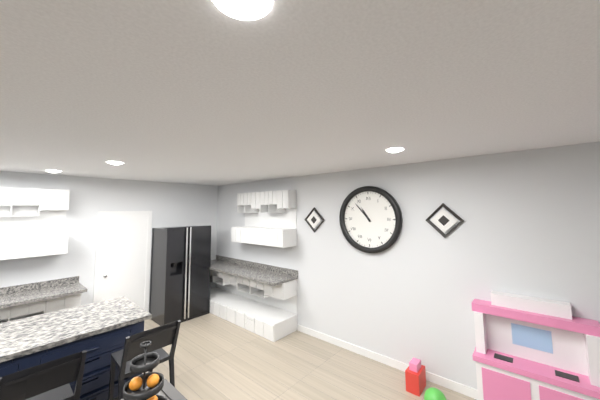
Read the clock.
10:53
